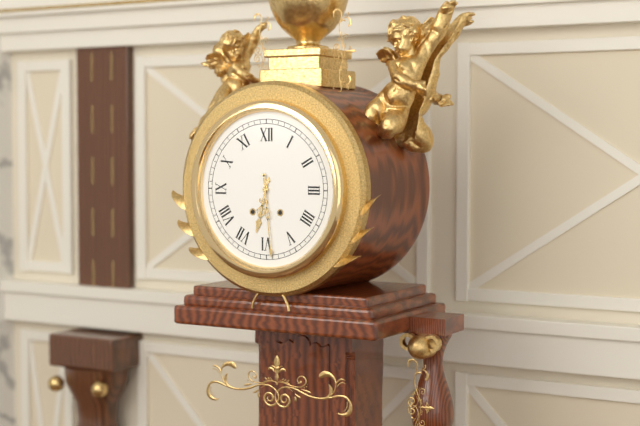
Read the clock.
6:29
